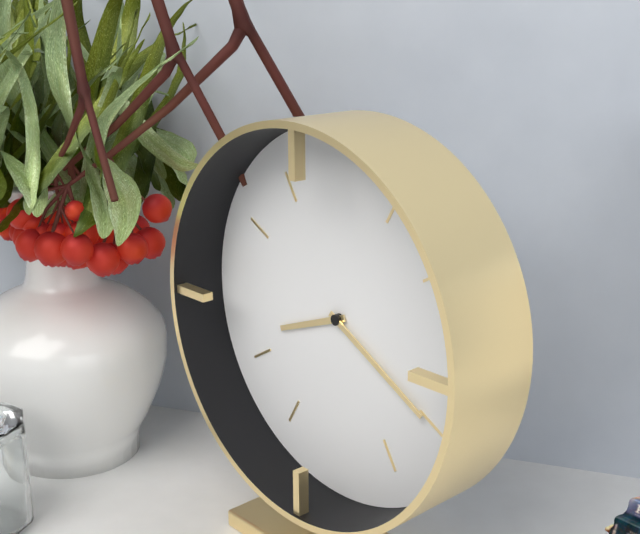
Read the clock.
8:20
